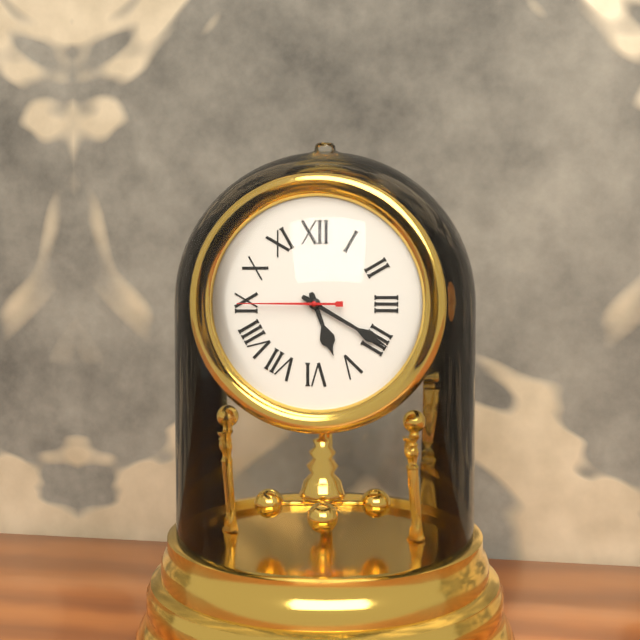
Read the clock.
5:20:45
